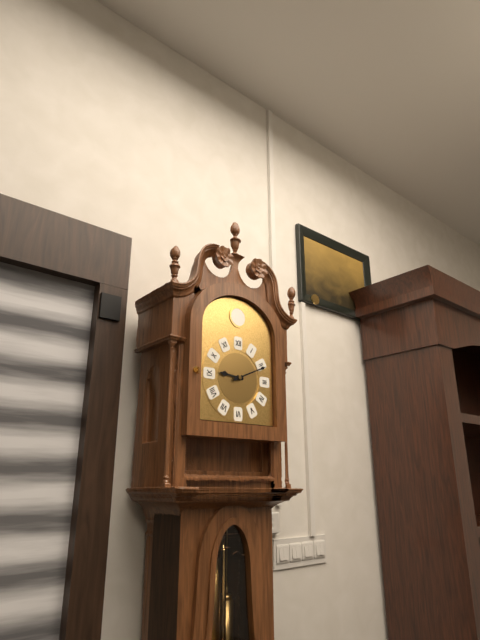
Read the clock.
9:11
